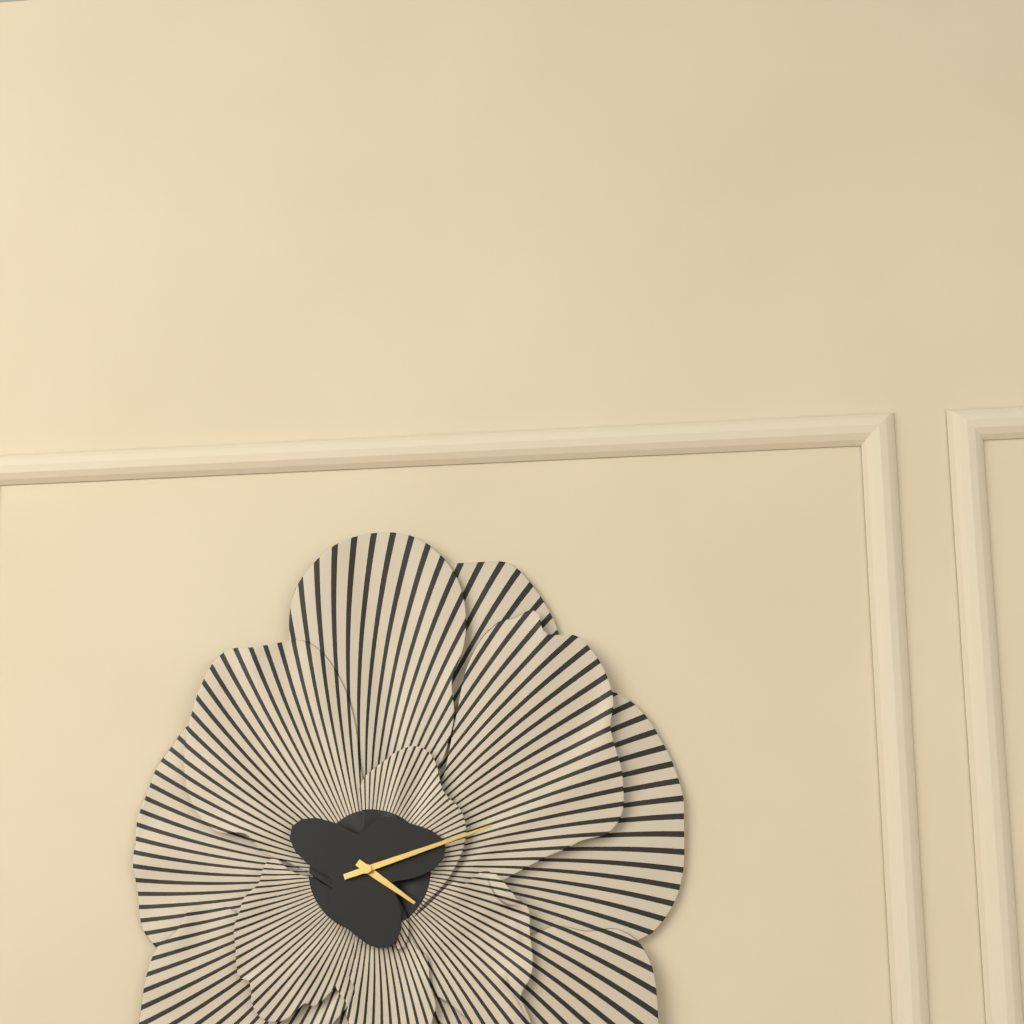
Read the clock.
4:12
